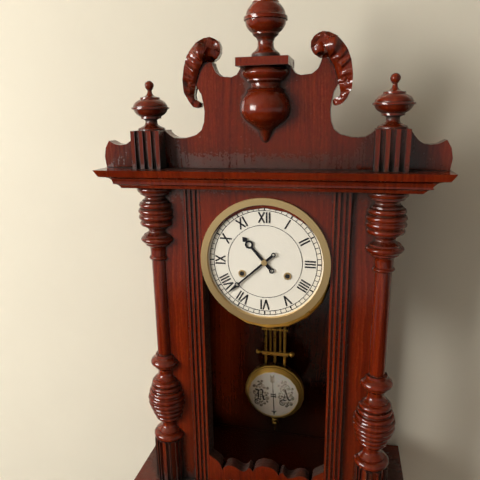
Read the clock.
10:38
